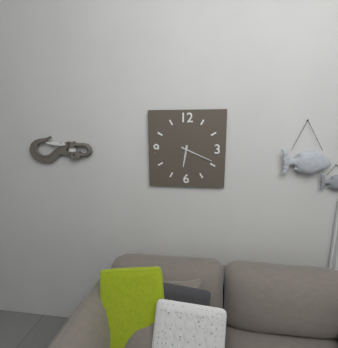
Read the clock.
6:19
